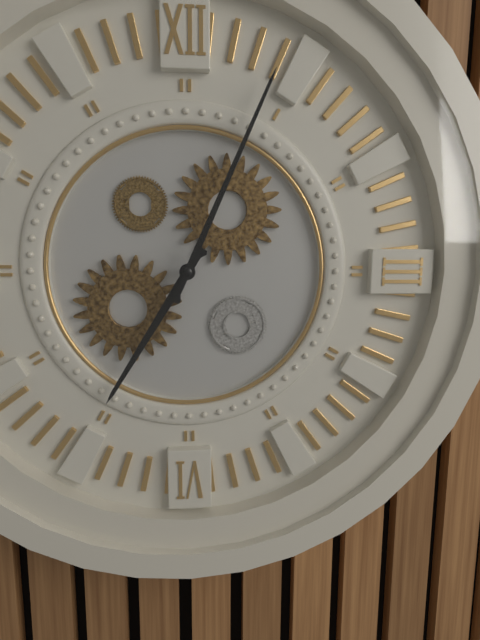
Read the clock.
7:04
